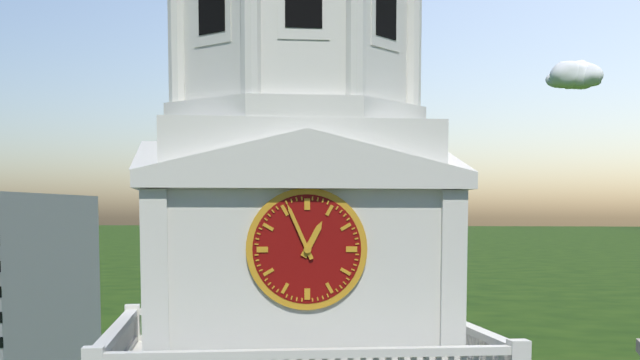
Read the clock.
12:56
